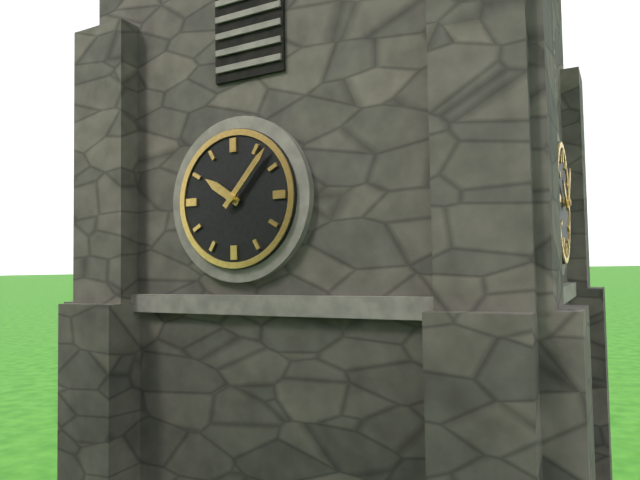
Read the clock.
10:07
